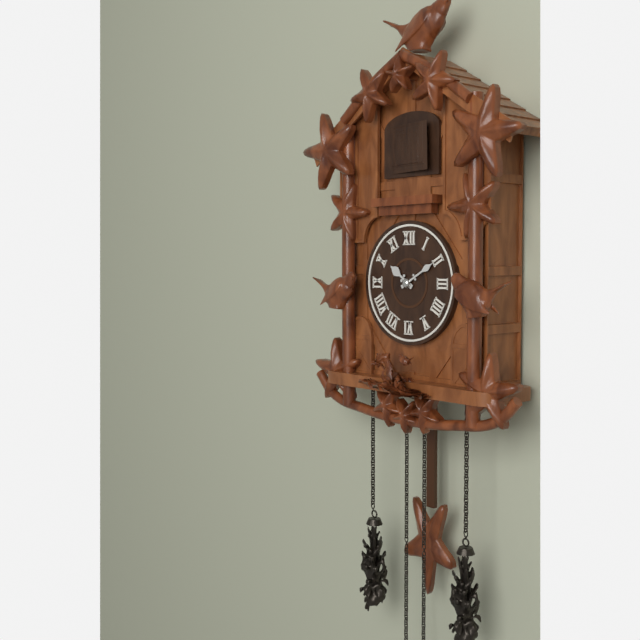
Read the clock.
10:10
